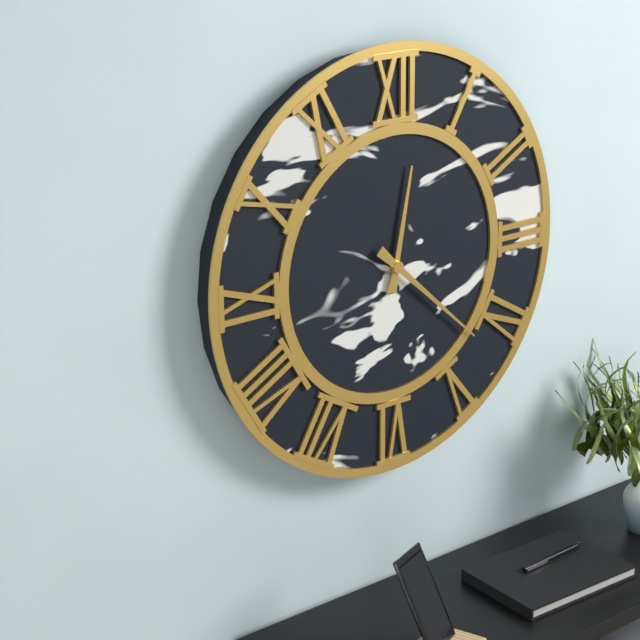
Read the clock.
12:22
